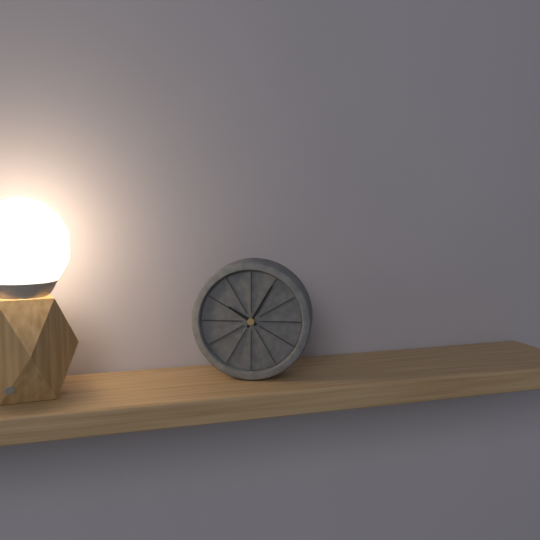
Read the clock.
10:05
